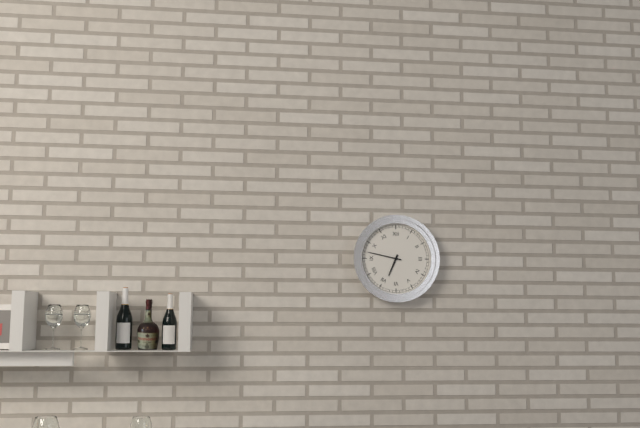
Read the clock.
6:47
